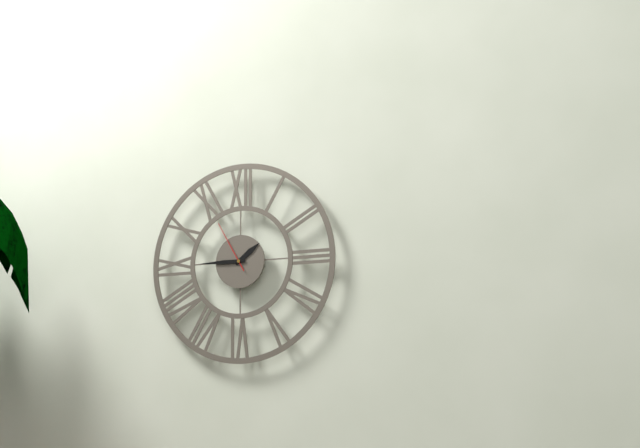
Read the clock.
1:45:55
